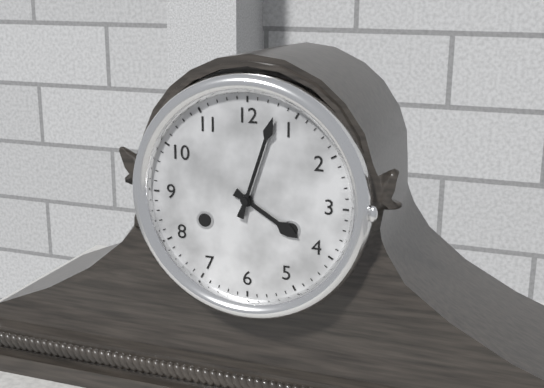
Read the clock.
4:03
